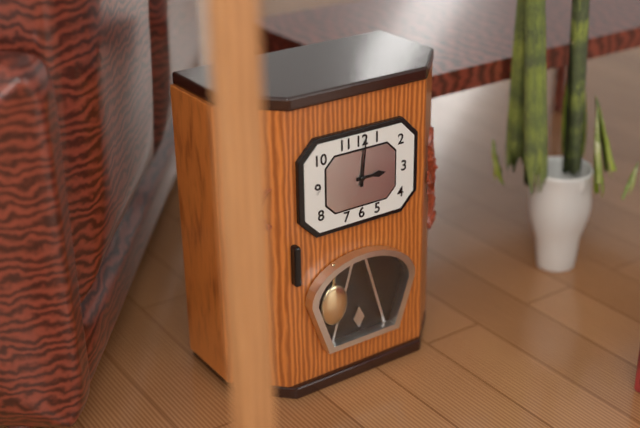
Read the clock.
3:01
